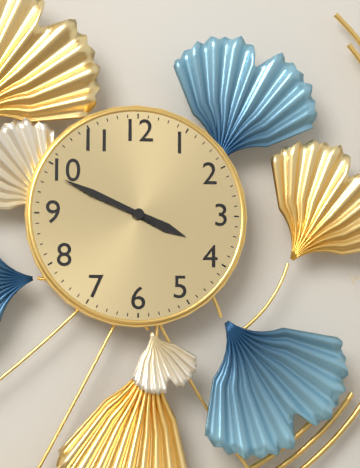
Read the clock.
3:49
